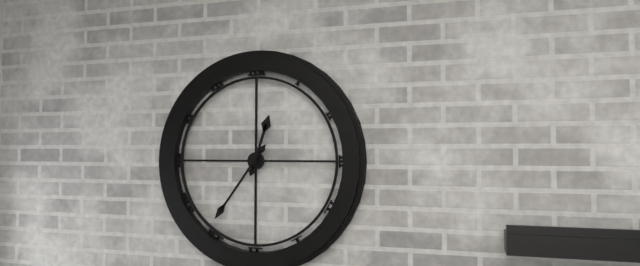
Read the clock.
12:36
